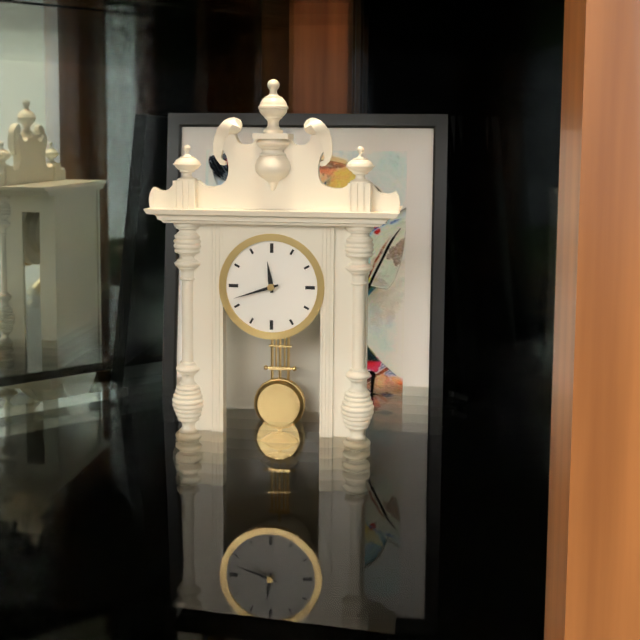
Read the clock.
11:42
